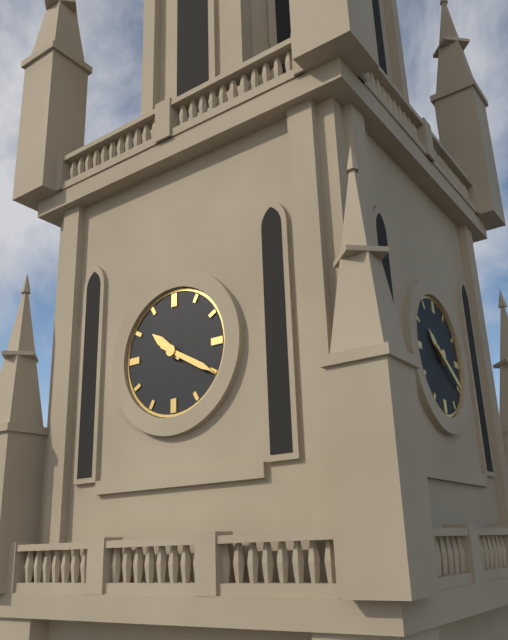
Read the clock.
10:20
